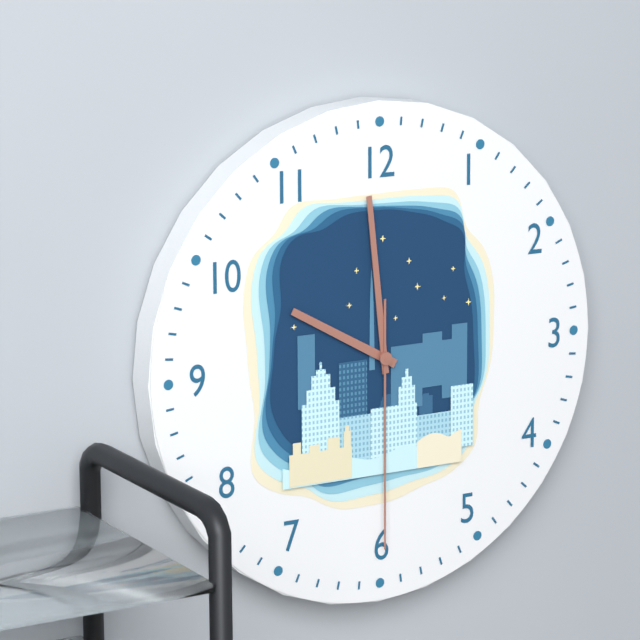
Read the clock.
9:59:30
